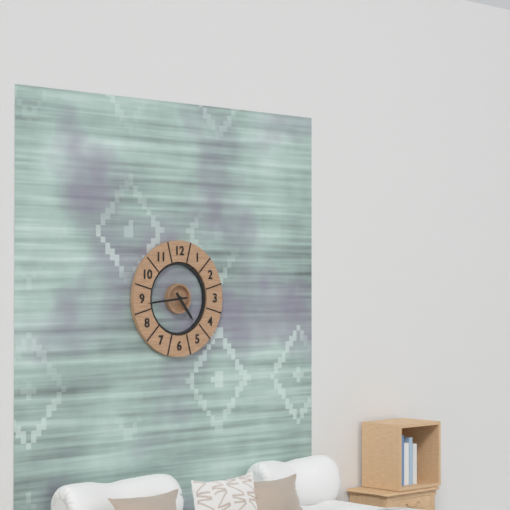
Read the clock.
4:44
